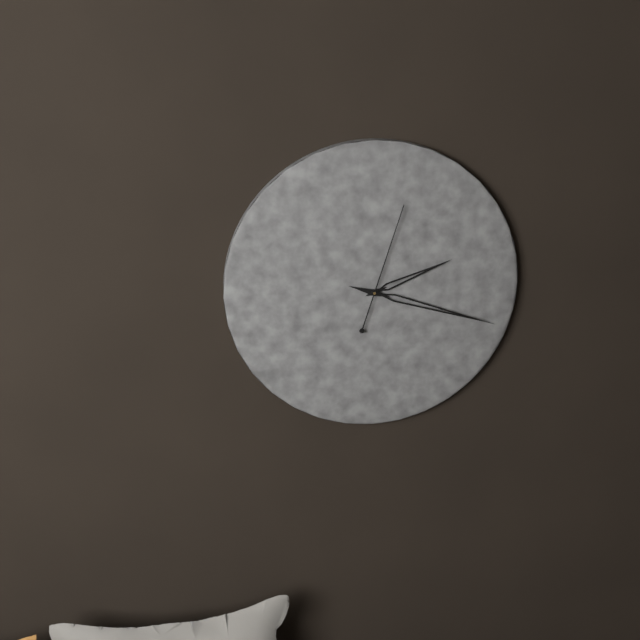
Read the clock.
2:18:03
